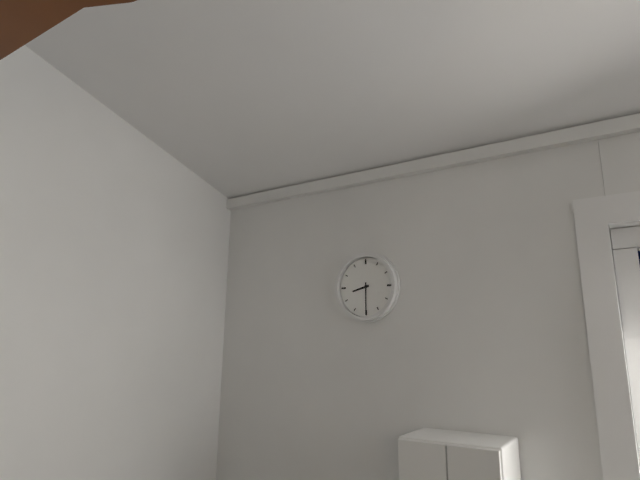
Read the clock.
8:30
